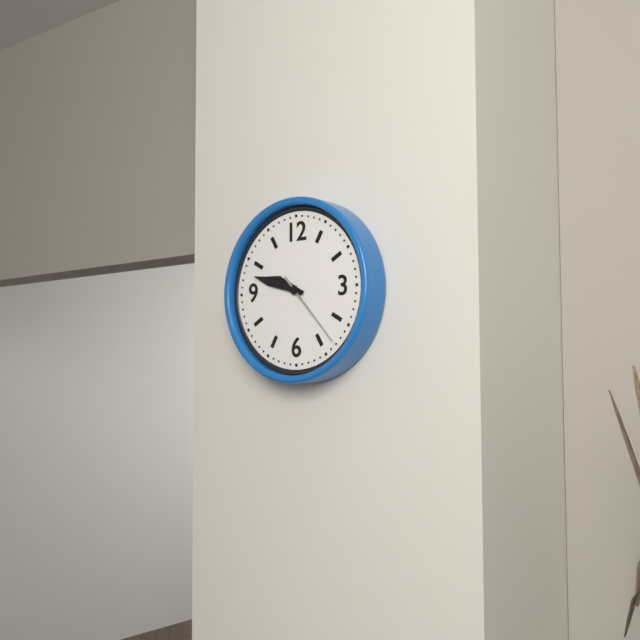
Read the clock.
9:48:23
